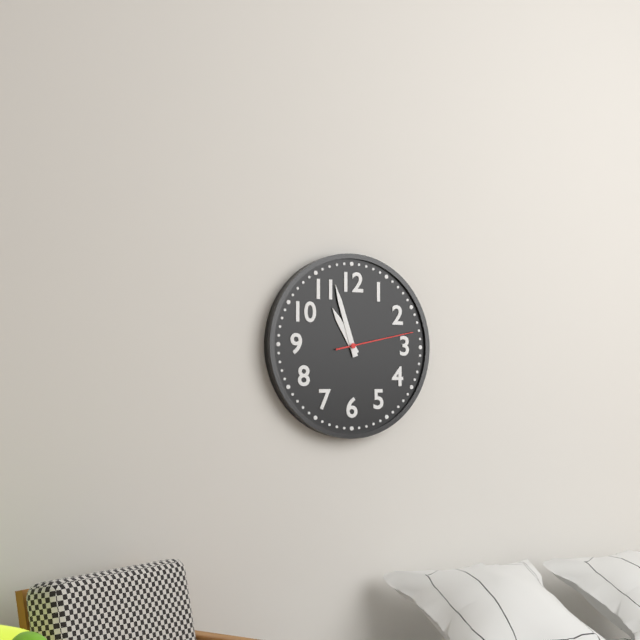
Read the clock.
10:57:13
